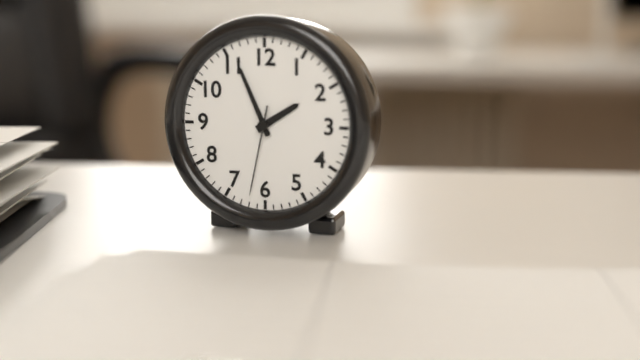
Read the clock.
1:56:32
